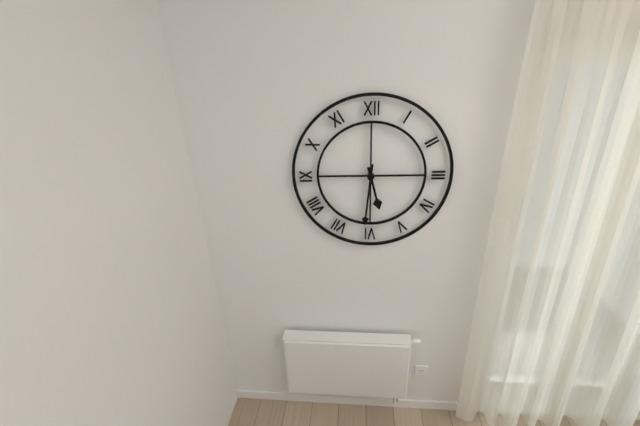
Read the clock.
5:31
